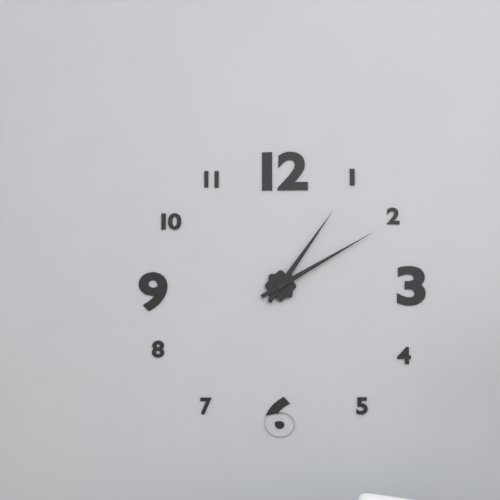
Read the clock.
1:10
